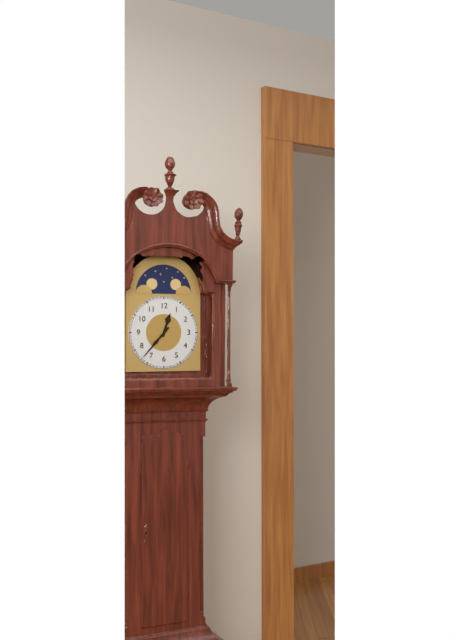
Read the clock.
12:37
